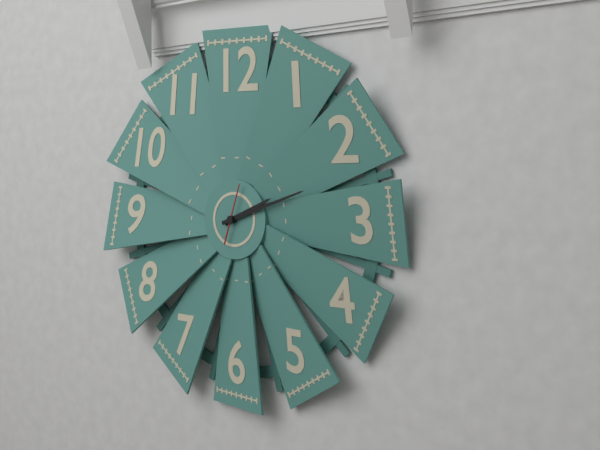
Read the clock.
2:12
